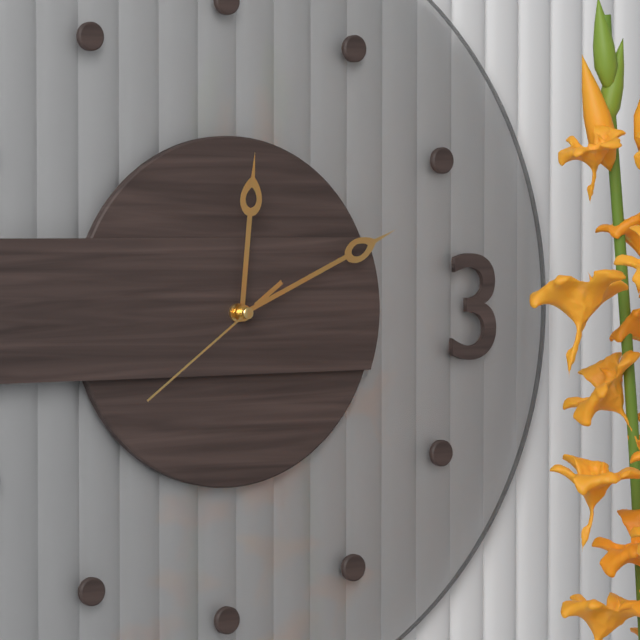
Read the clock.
12:11:39
